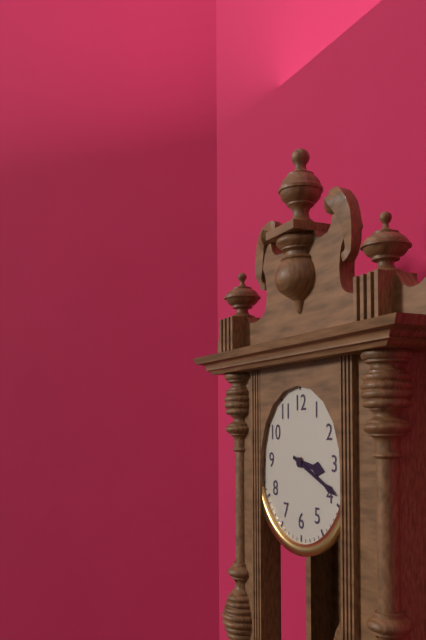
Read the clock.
3:19
